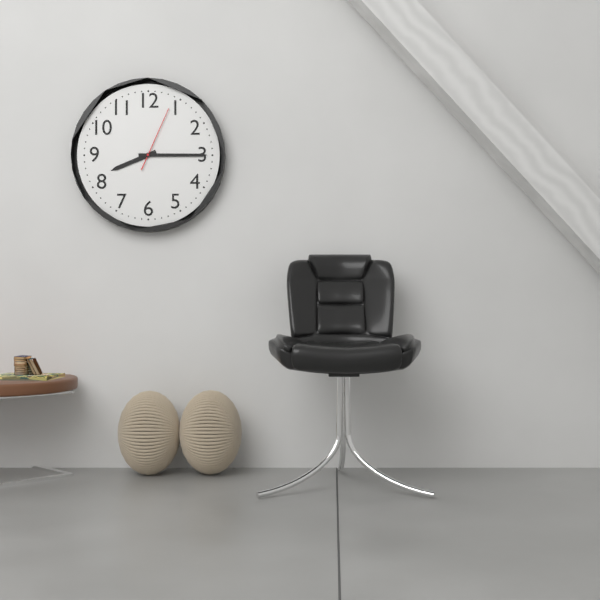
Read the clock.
8:15:04
